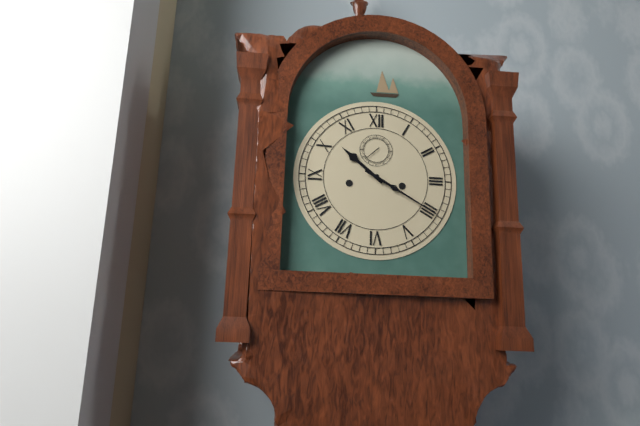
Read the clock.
10:20
